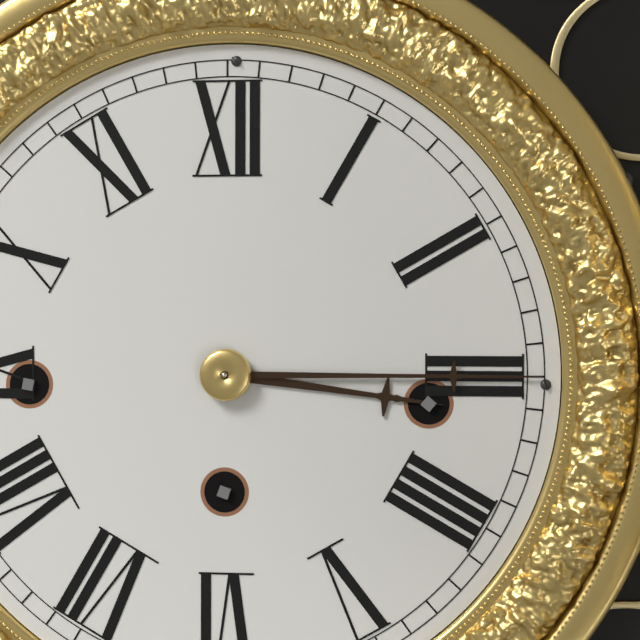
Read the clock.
3:15
